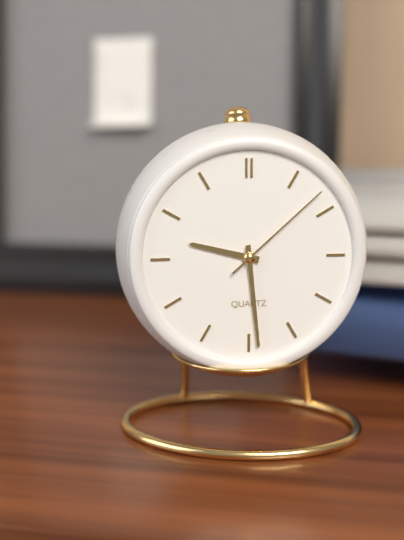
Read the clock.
9:29:08
